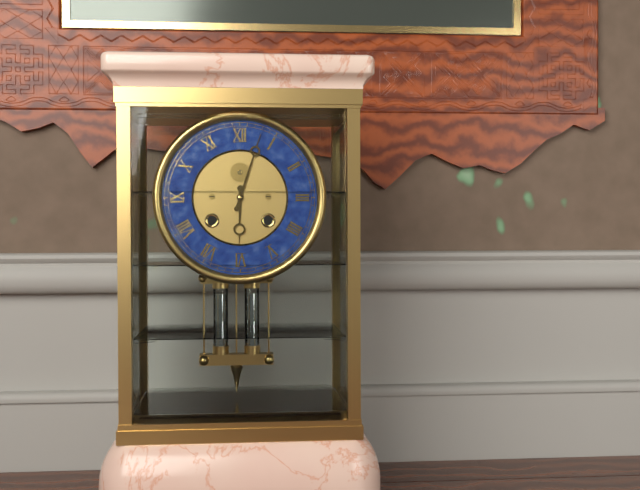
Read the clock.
6:03
